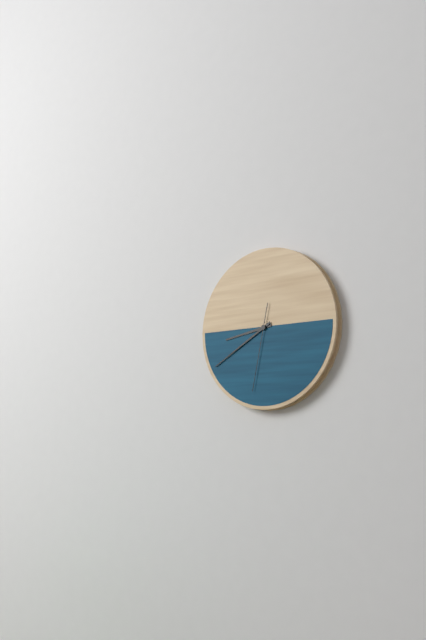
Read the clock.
8:40:32
